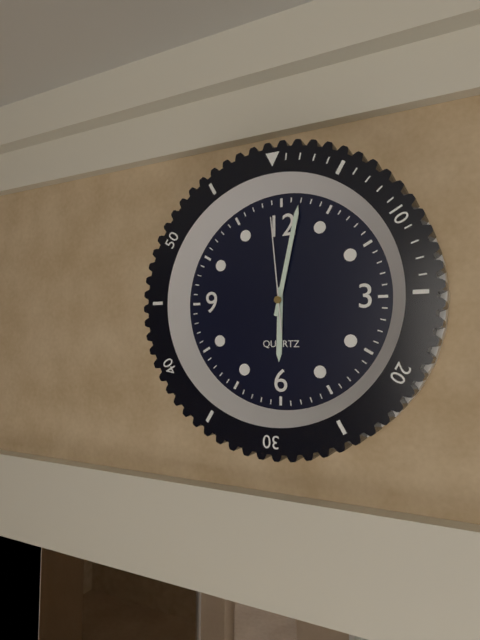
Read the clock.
6:02:59
